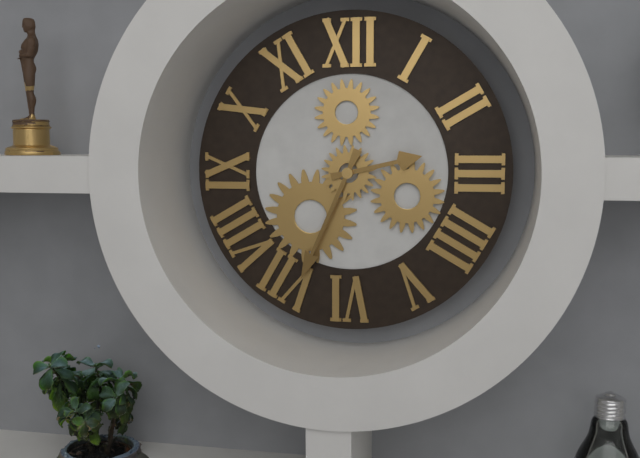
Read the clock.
2:34
